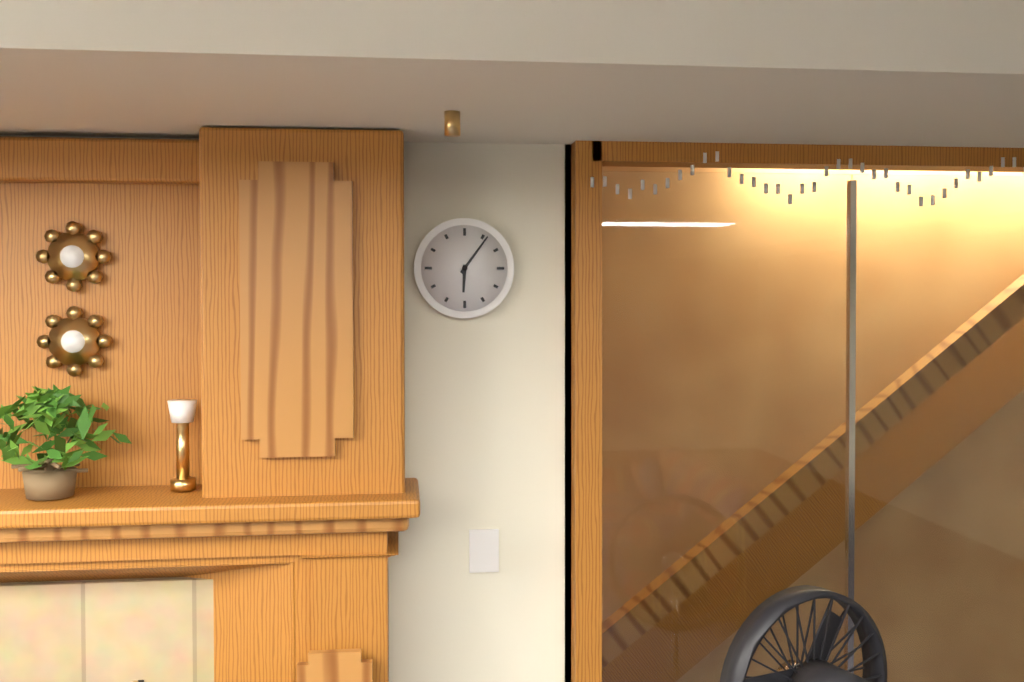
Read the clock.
6:06
